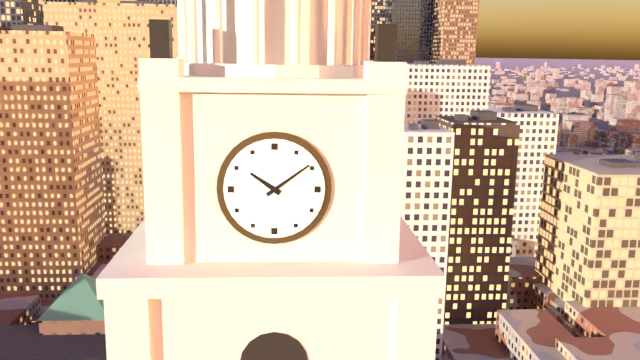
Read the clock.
10:09
